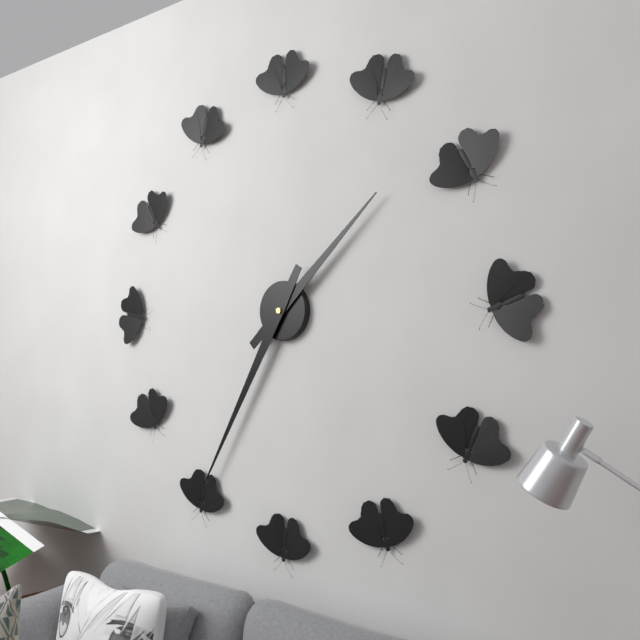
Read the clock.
1:35
